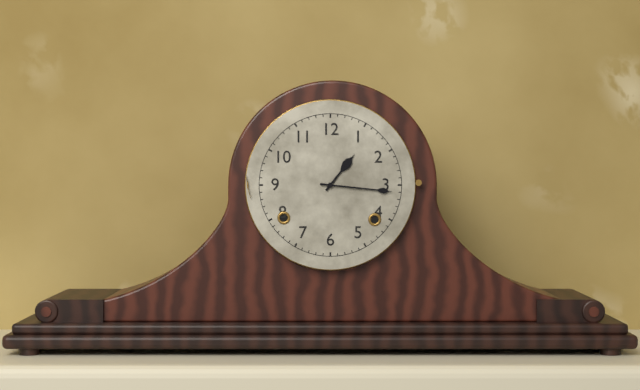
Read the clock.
1:16
